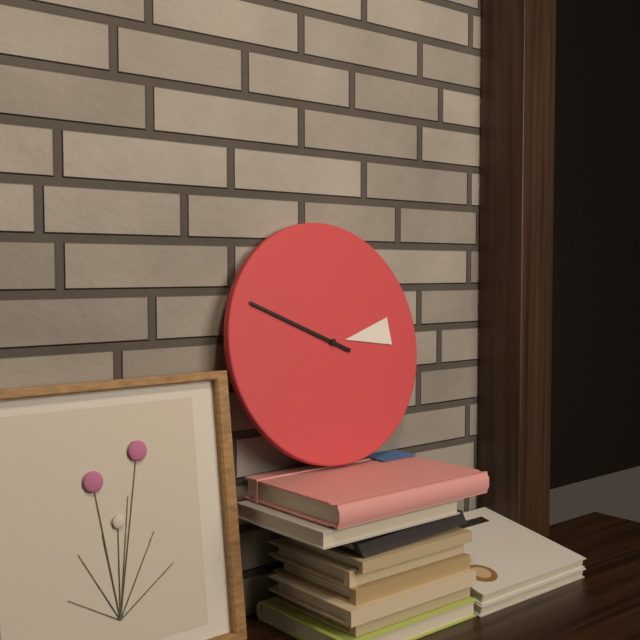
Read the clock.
2:49
